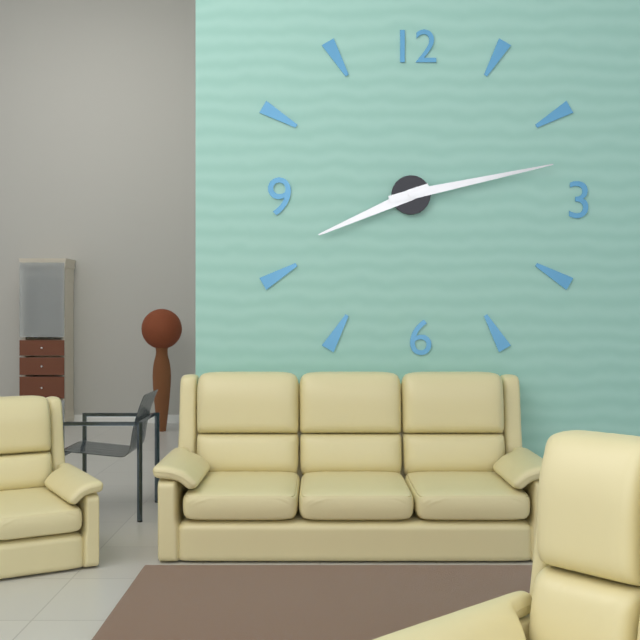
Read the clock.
8:13
